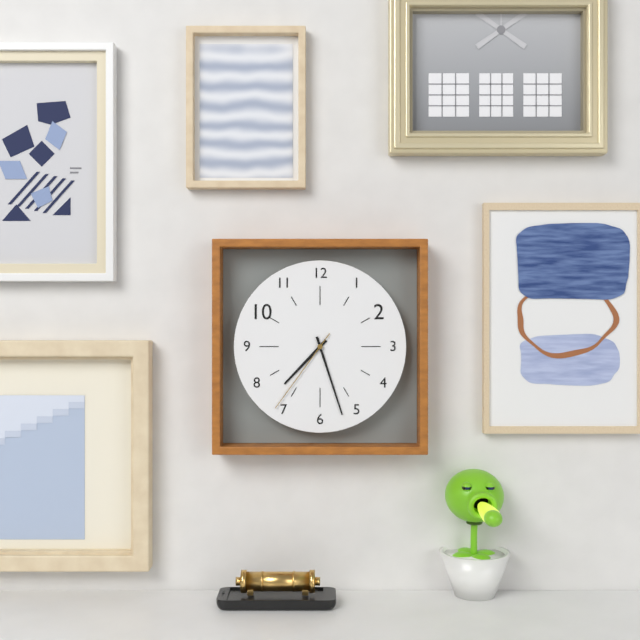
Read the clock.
7:27:36
